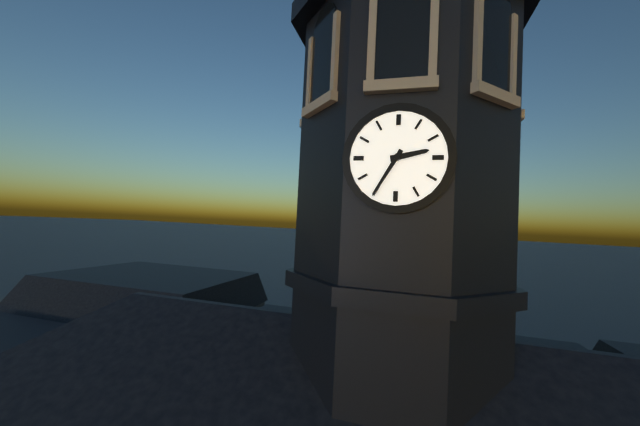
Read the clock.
2:35
